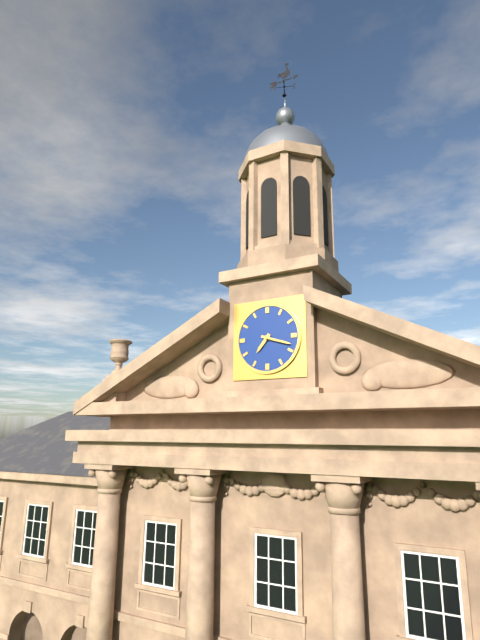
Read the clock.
7:18
